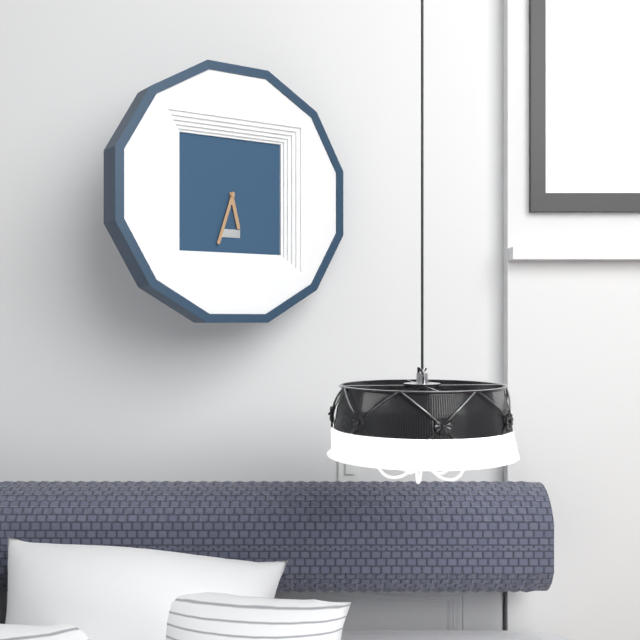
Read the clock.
5:33
